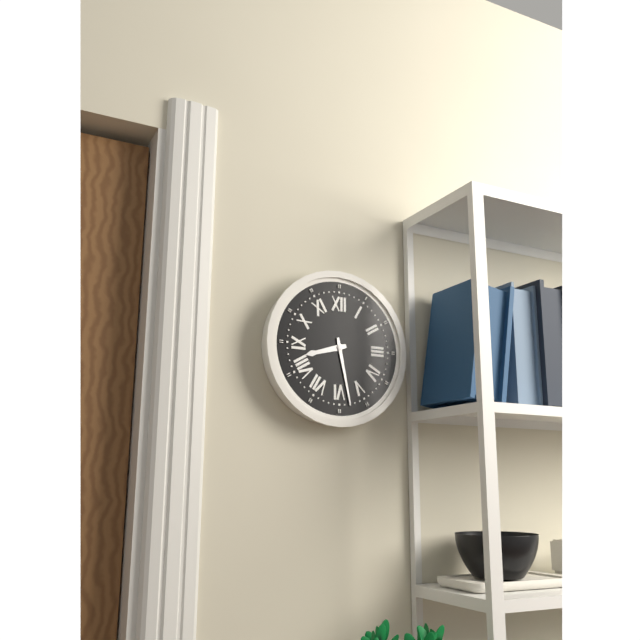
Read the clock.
8:28
